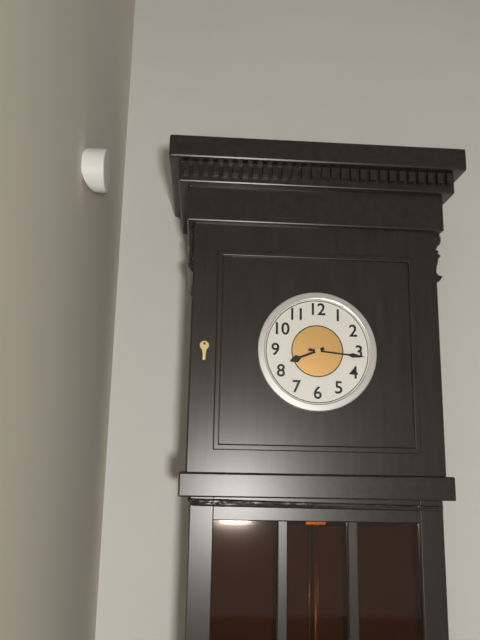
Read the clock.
8:16
